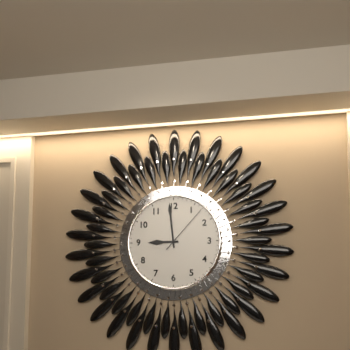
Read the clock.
8:59:07
